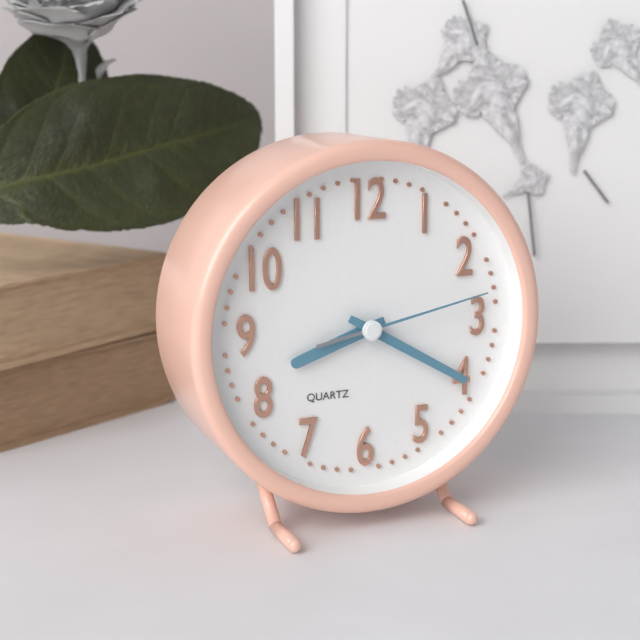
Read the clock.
8:20:13
